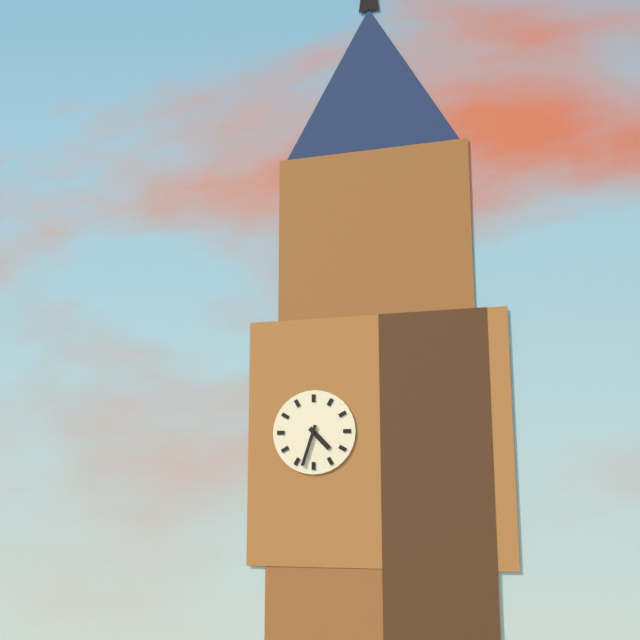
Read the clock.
4:33
